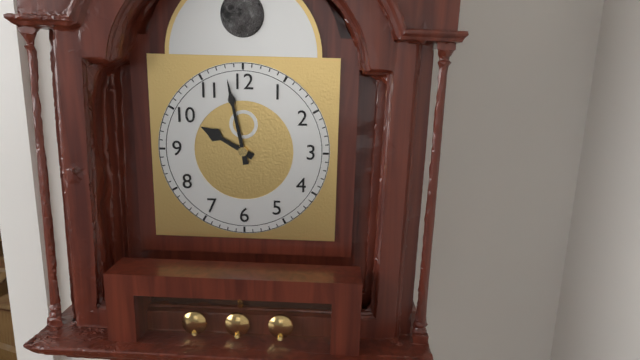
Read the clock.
9:58
